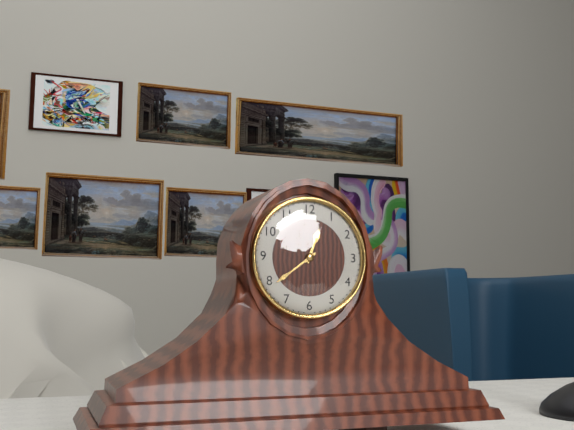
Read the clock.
12:39
